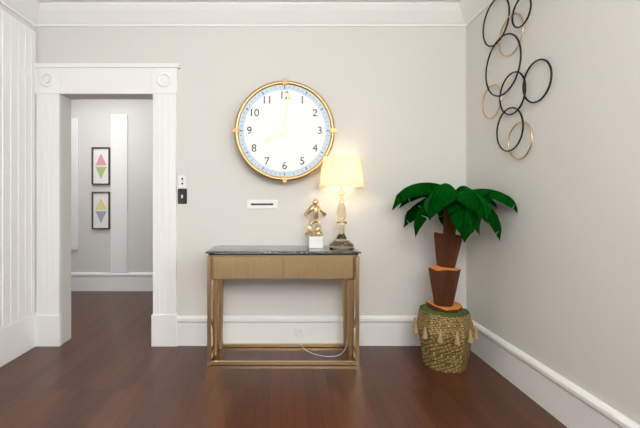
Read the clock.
8:01
